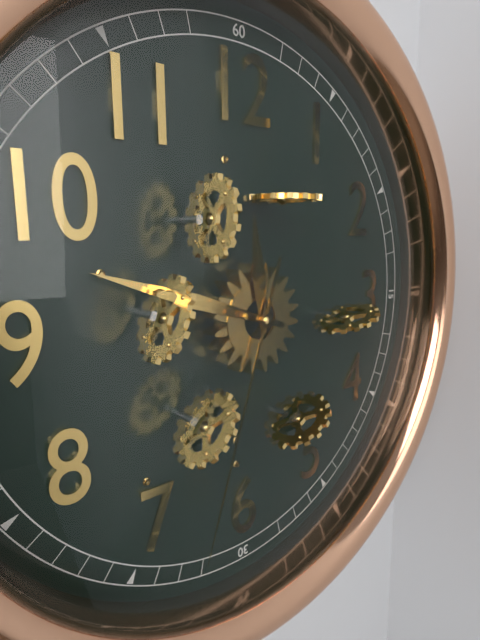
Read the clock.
11:48:33
